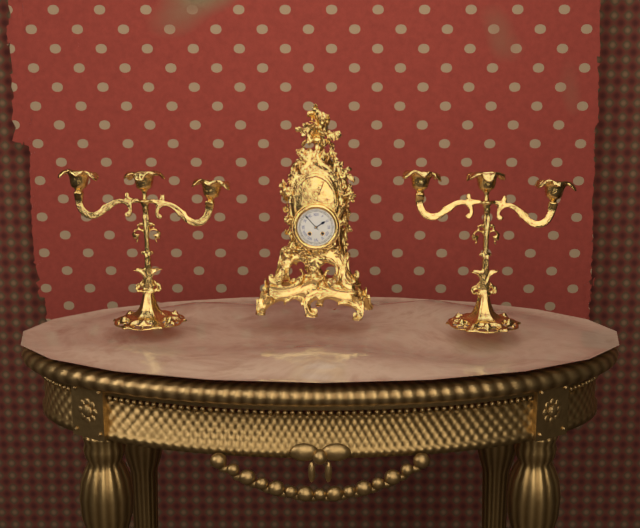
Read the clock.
1:53
